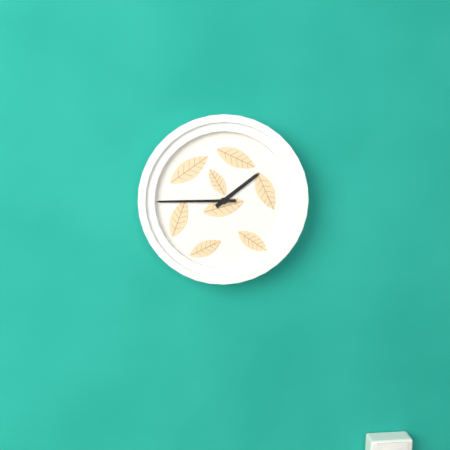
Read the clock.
1:45
